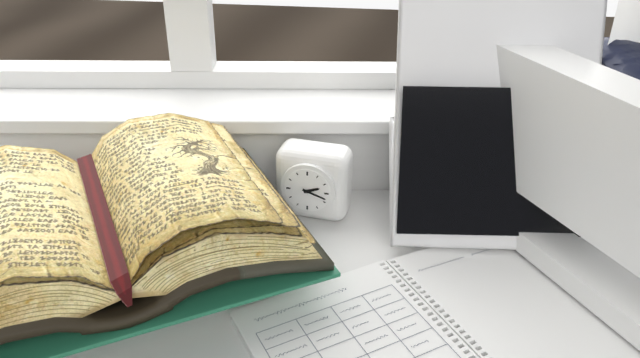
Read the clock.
2:18
